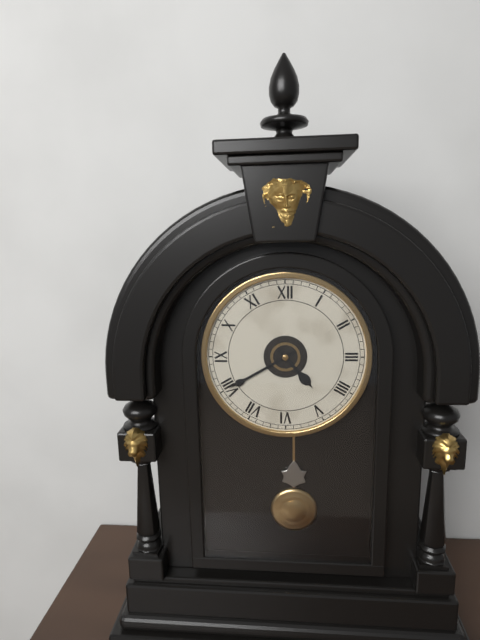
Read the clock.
4:40
